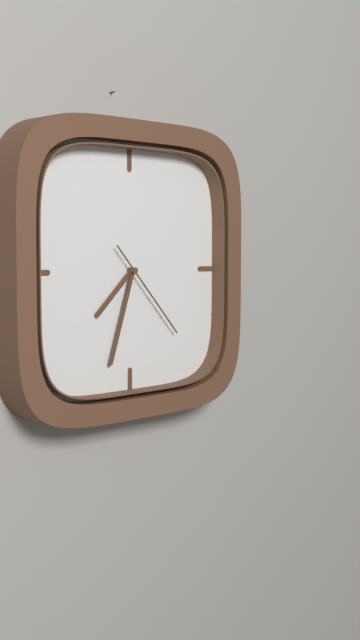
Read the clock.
7:33:23
